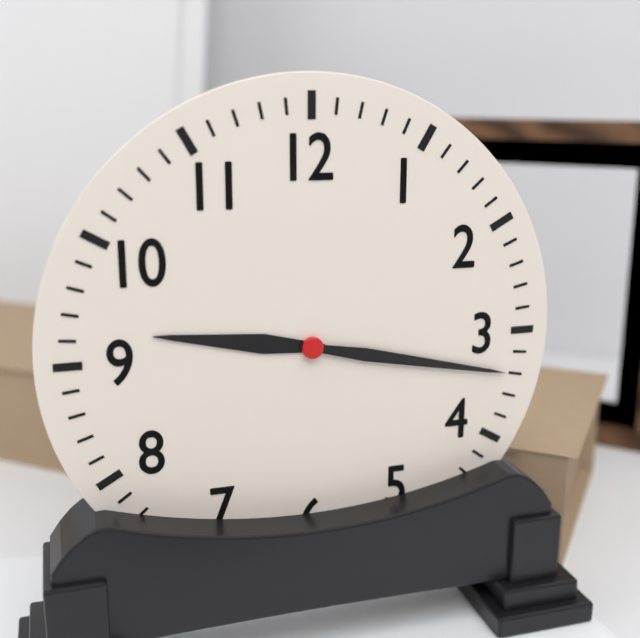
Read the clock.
9:17
